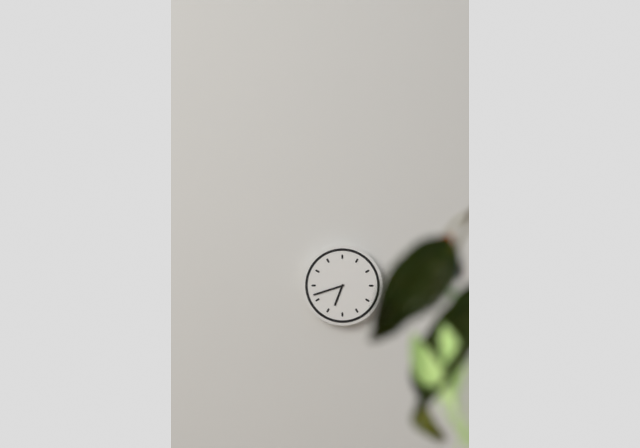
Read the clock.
6:42
